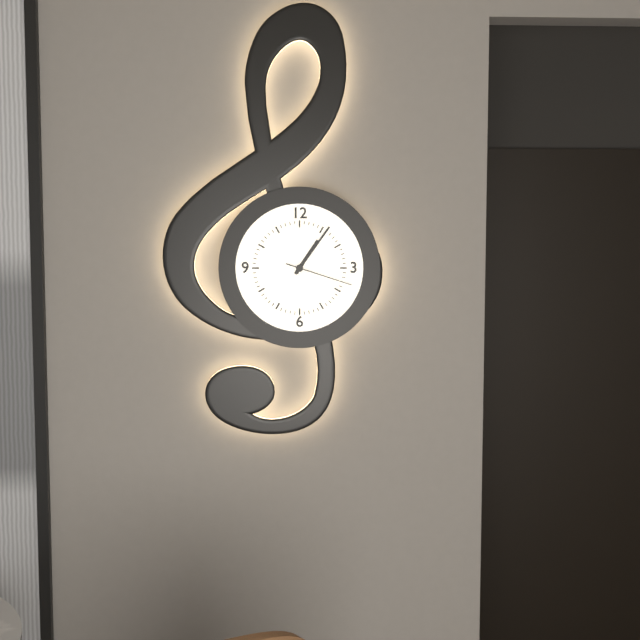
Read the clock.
1:06:18
